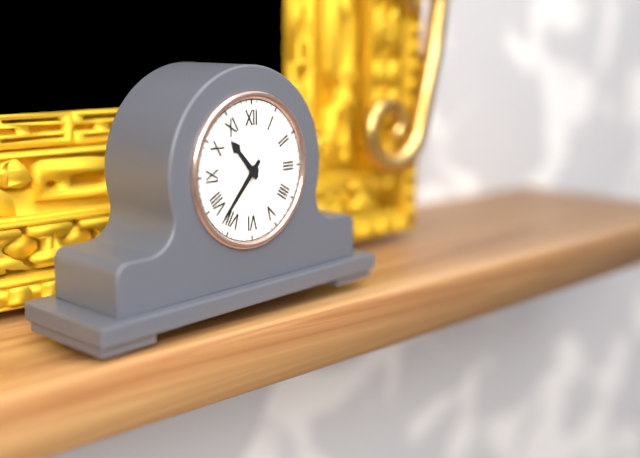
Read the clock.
10:37
